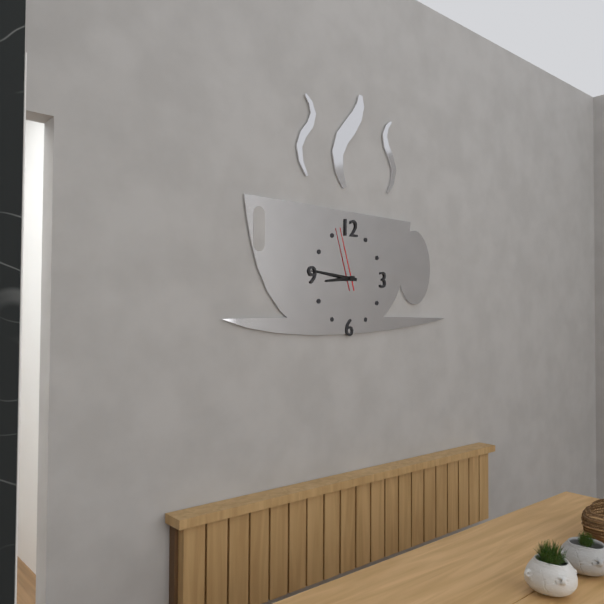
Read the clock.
8:46:57
